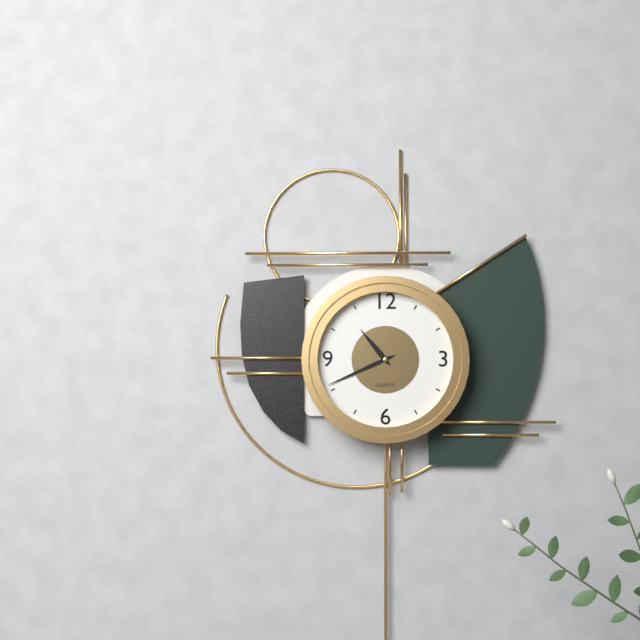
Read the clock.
10:41
